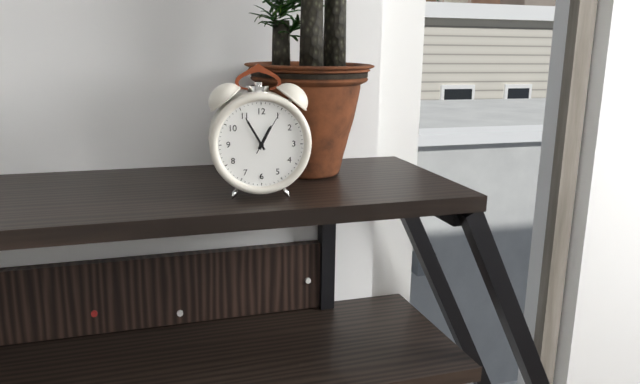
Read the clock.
12:55
